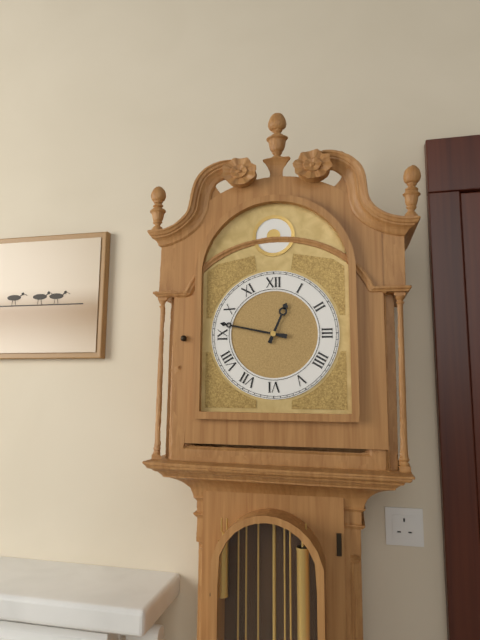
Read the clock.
12:47
